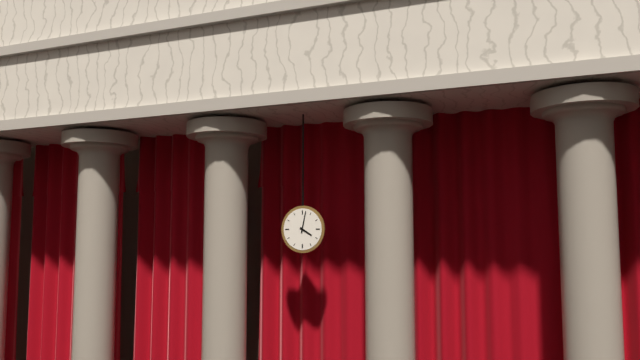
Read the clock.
4:02
